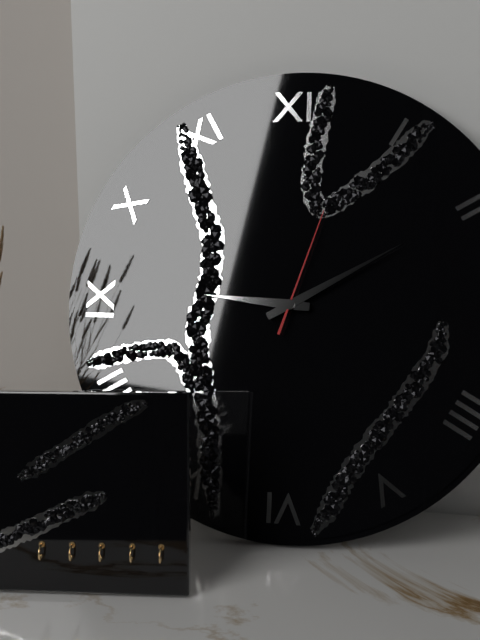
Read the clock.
9:10:03
